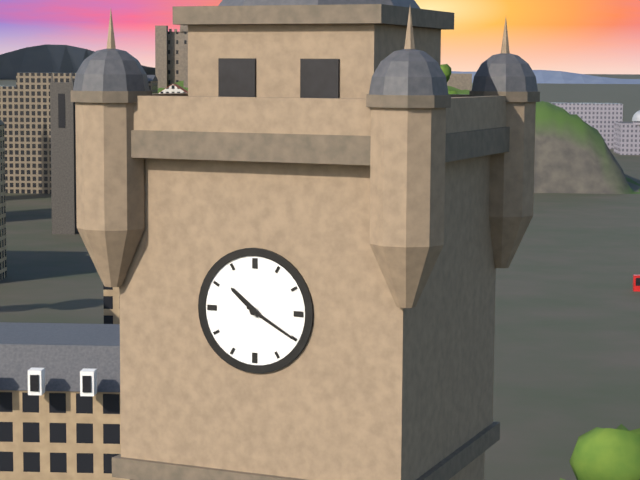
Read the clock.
10:20
